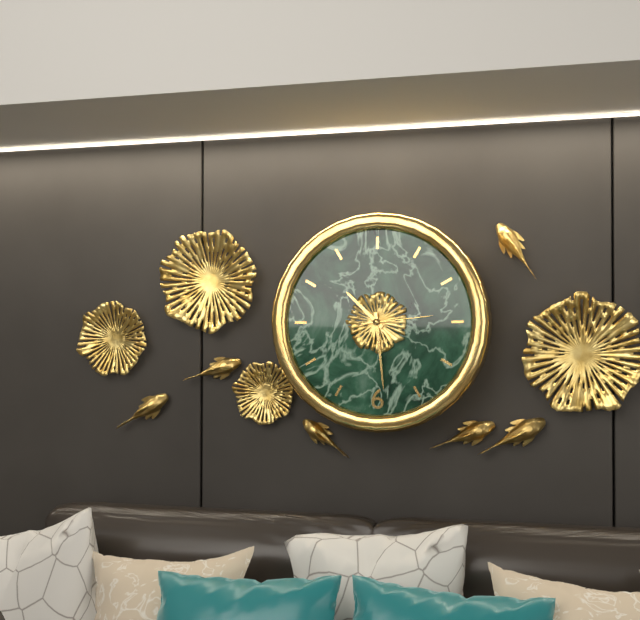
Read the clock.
10:29:14
